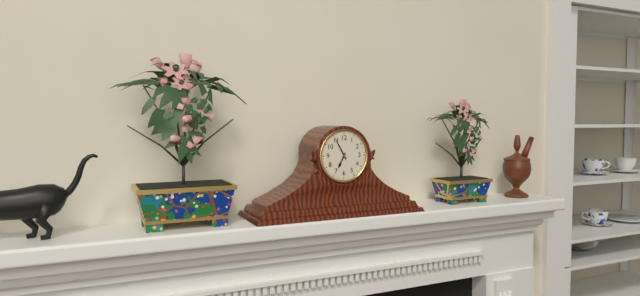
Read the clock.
6:55
